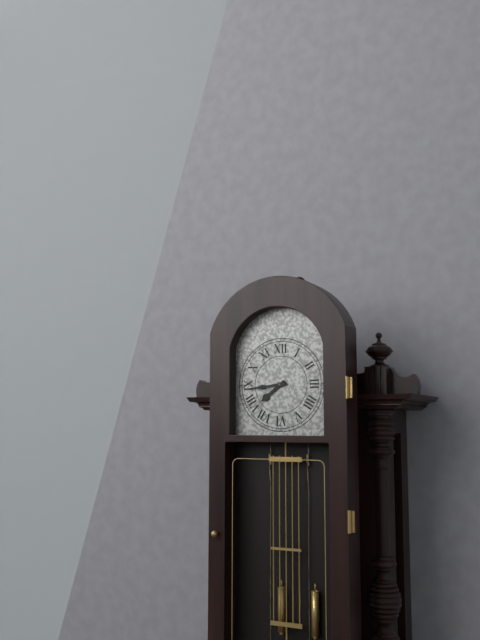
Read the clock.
7:44
